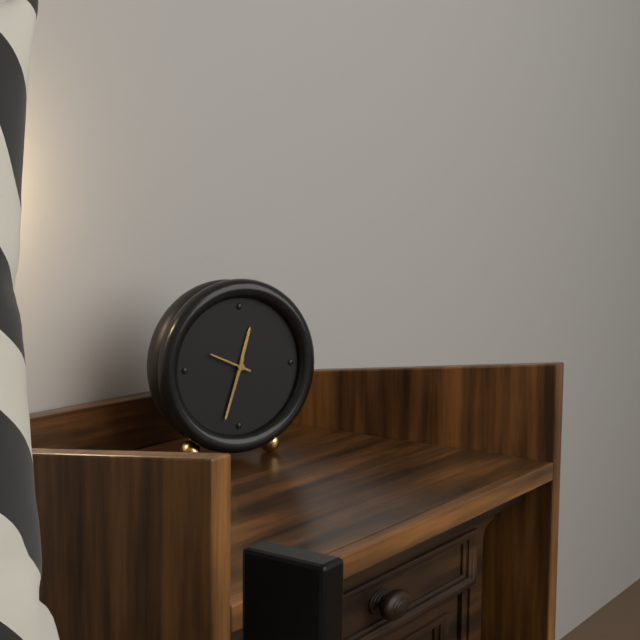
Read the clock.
12:33
